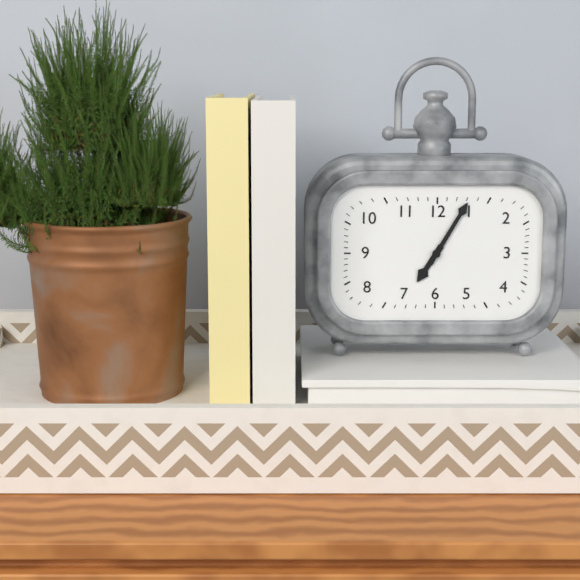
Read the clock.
7:05
